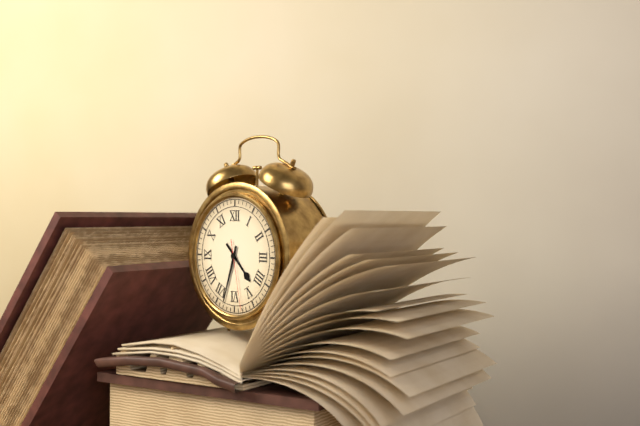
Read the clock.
4:33:28
